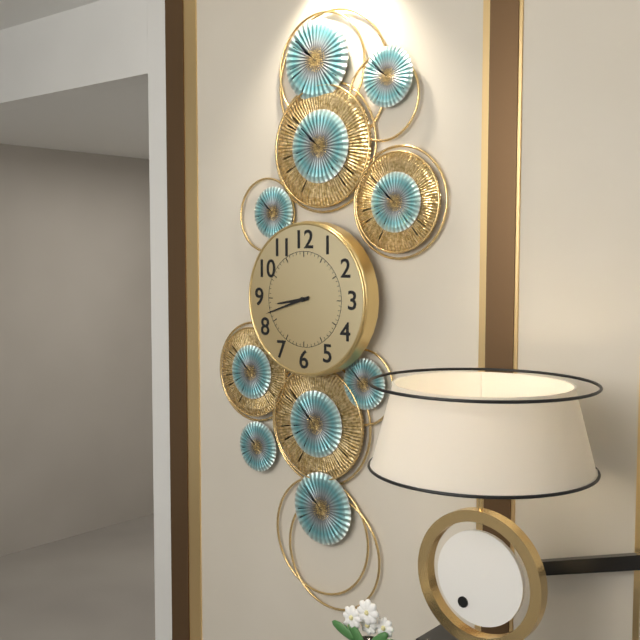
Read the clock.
8:42
